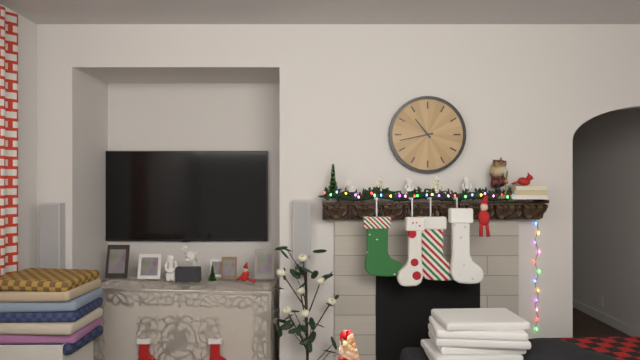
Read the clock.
10:43
